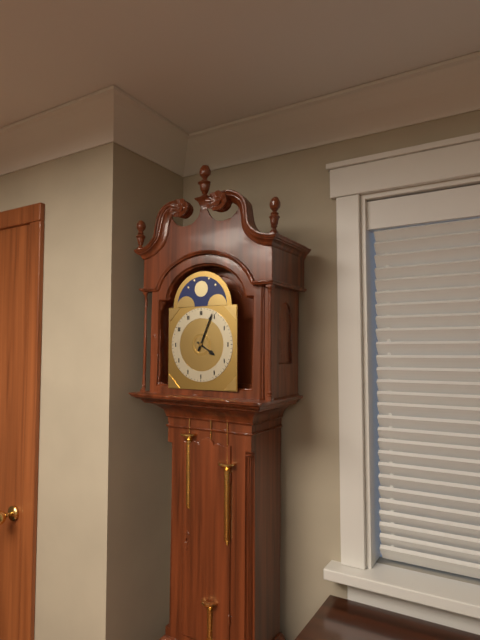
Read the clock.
4:04
